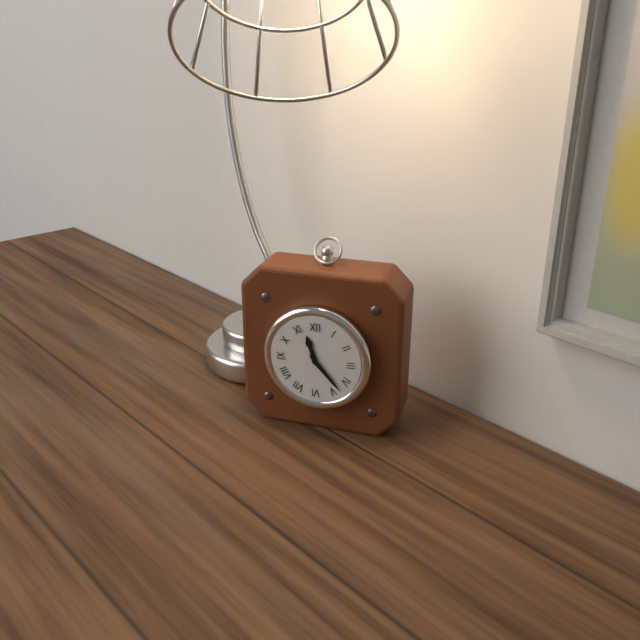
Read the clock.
11:23
